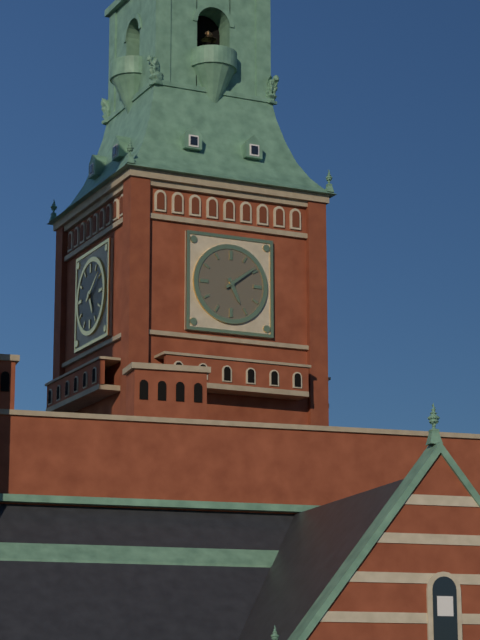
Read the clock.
5:09
